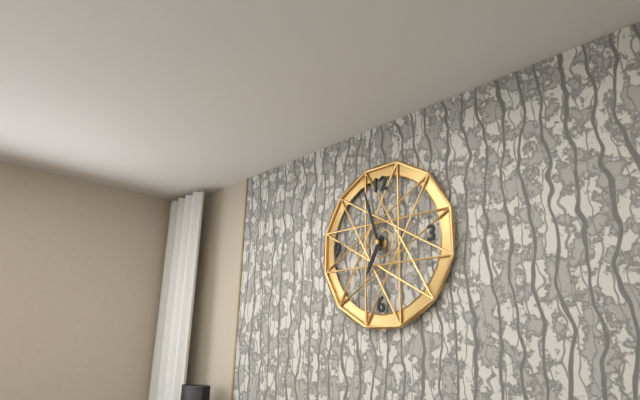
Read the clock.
6:57
